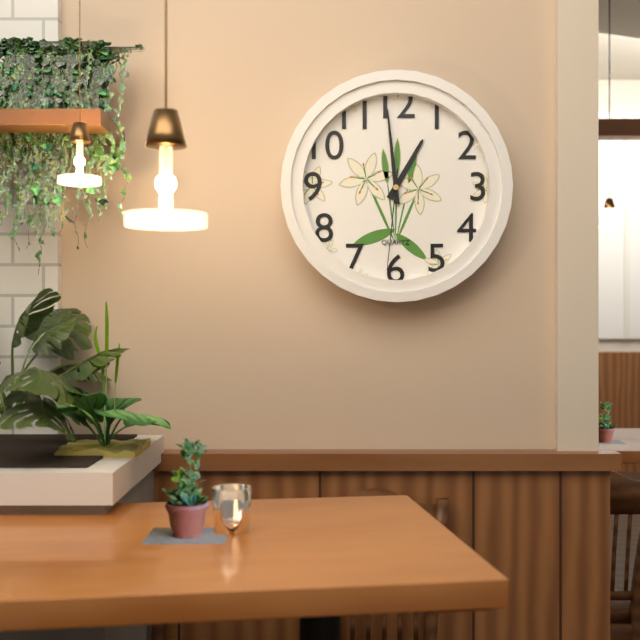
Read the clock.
12:59:31
